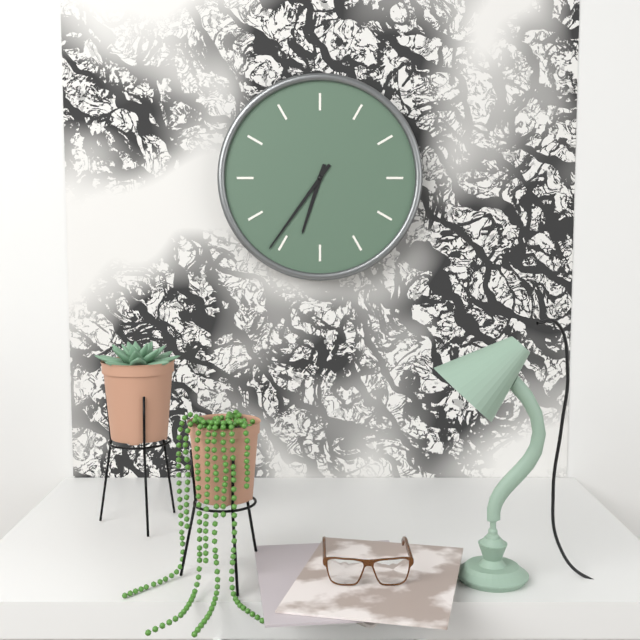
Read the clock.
6:36
